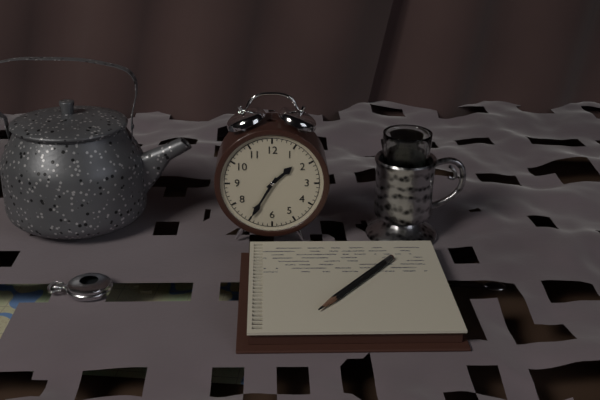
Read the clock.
1:35
